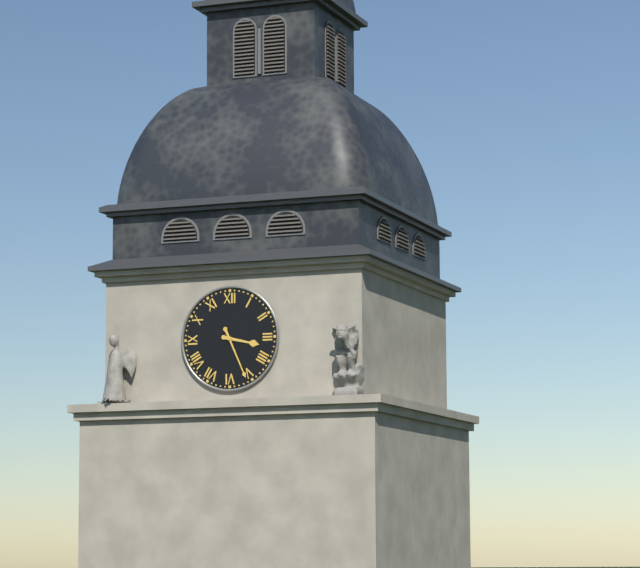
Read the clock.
3:26
